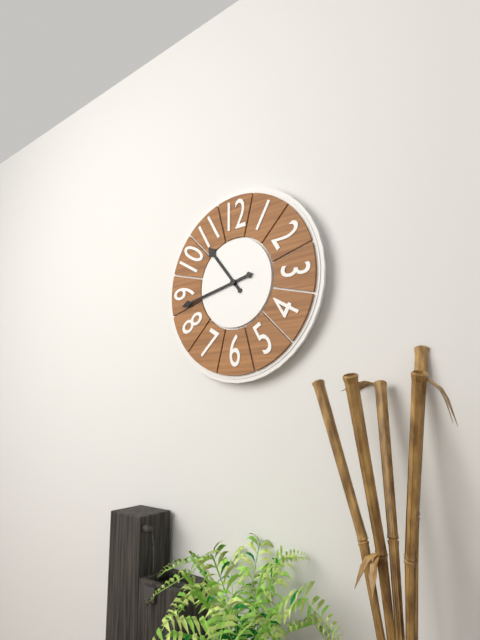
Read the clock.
10:43
